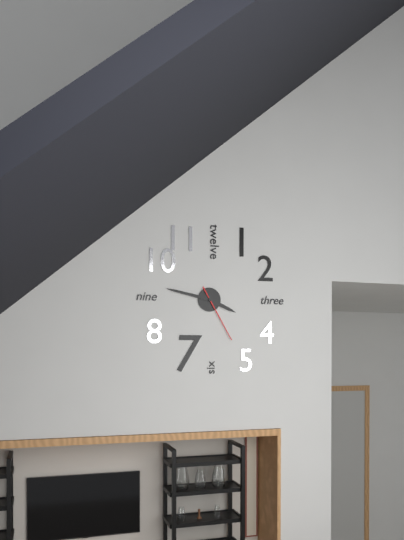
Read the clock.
3:47:25
